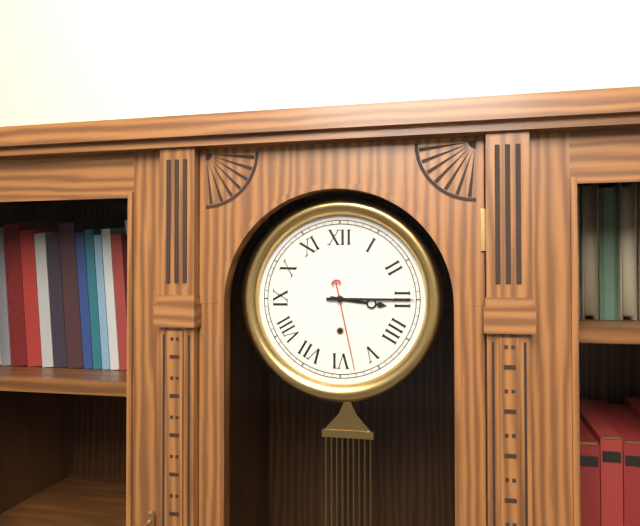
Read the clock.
3:15:28
